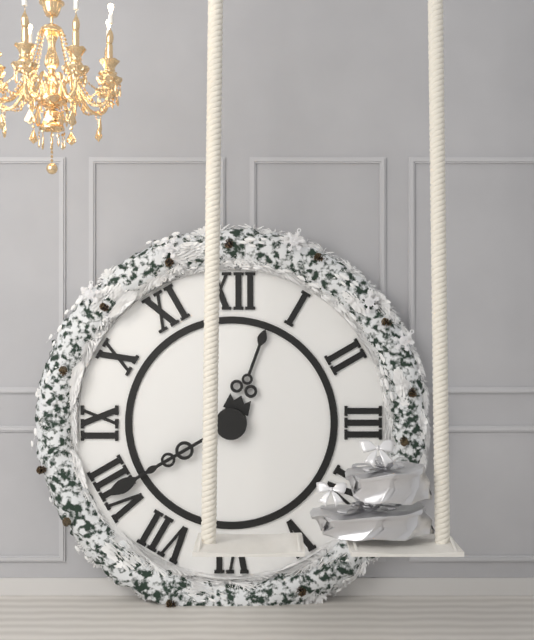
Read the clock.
12:40
